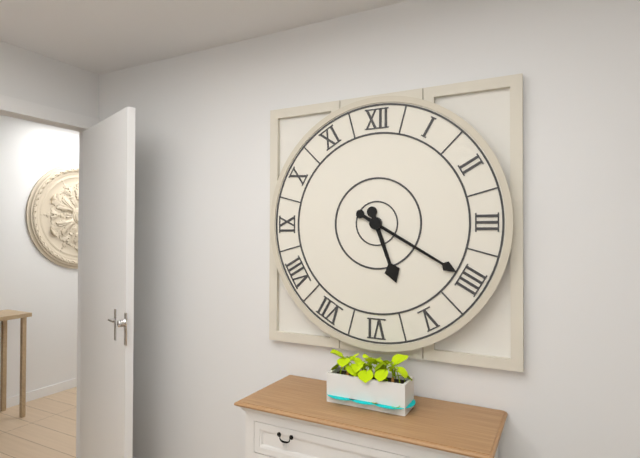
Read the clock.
5:20
